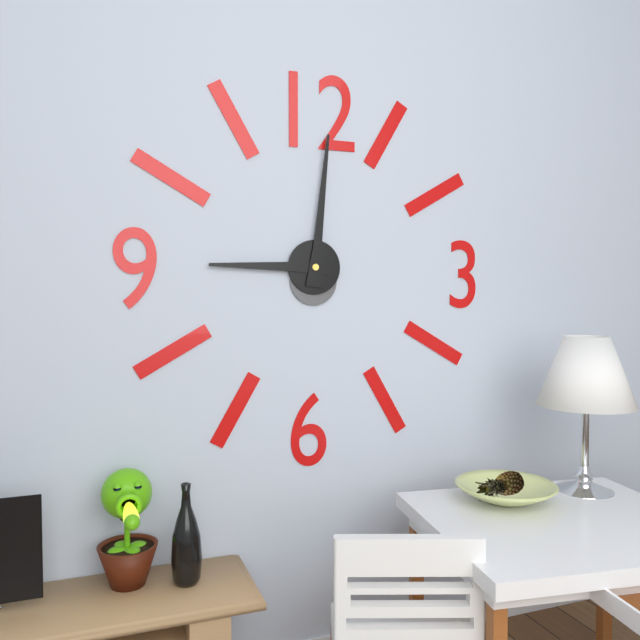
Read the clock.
9:01
